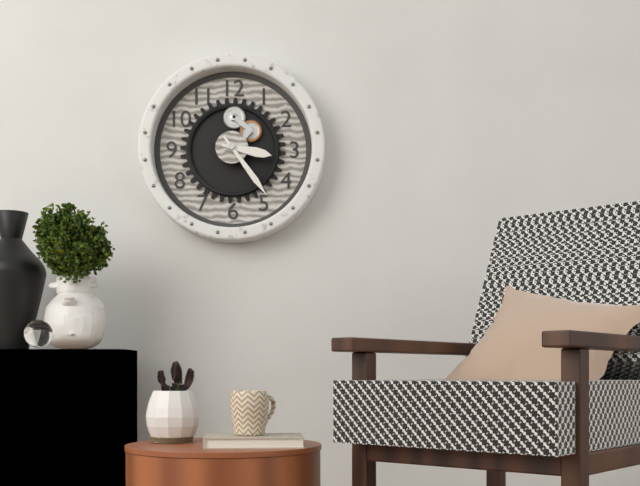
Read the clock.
3:24
